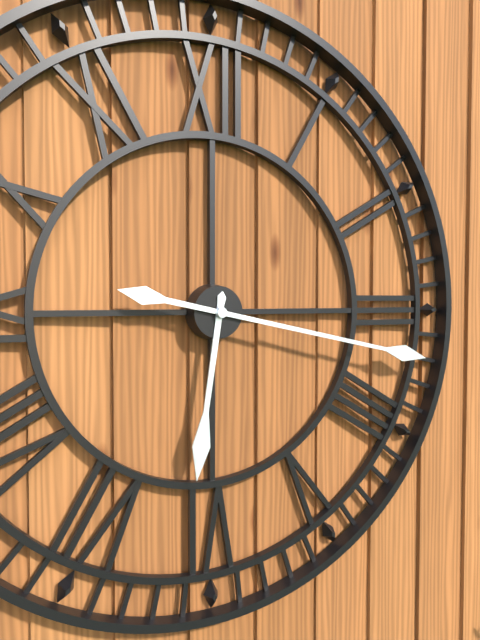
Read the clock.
6:17
